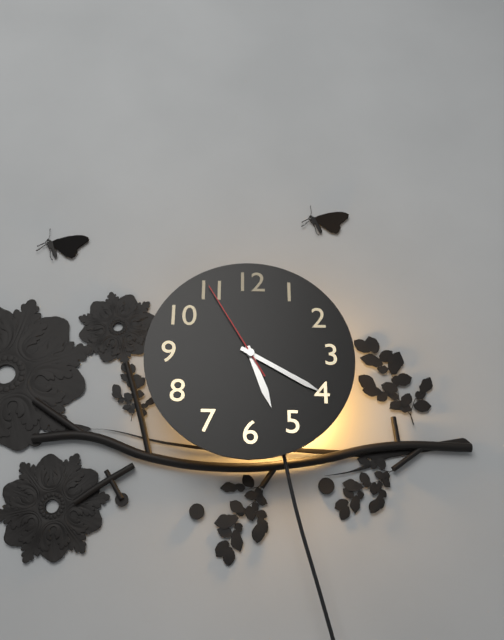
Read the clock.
5:20:55
